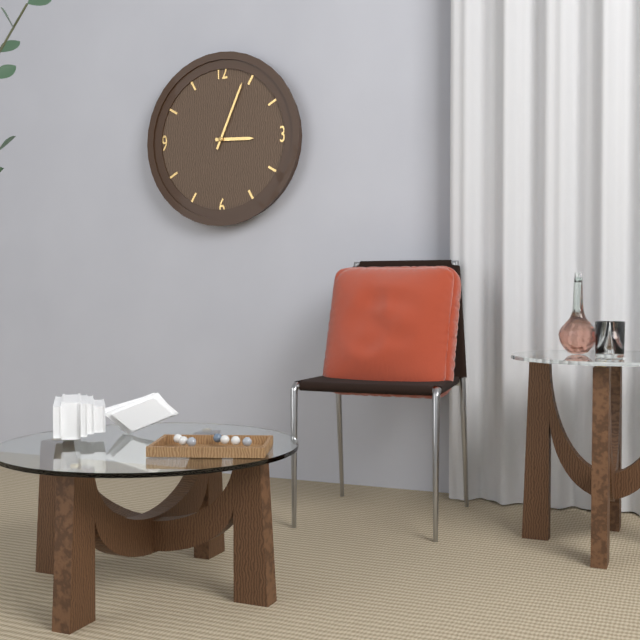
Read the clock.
3:04
